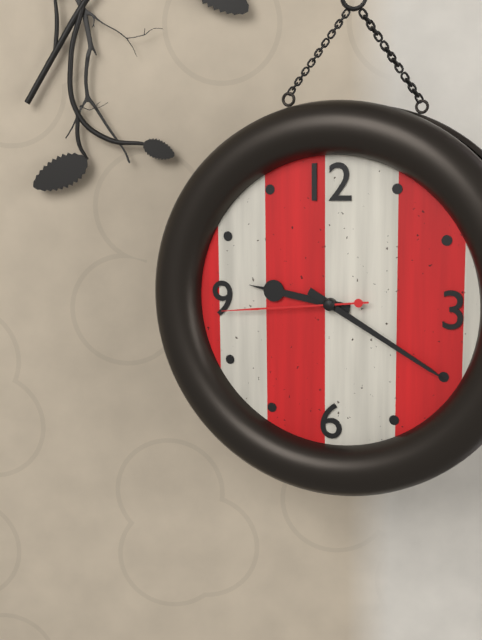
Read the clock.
9:20:44
